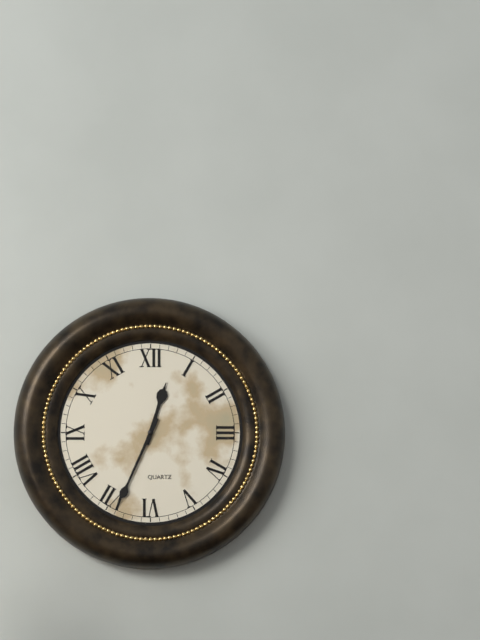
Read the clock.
12:34
